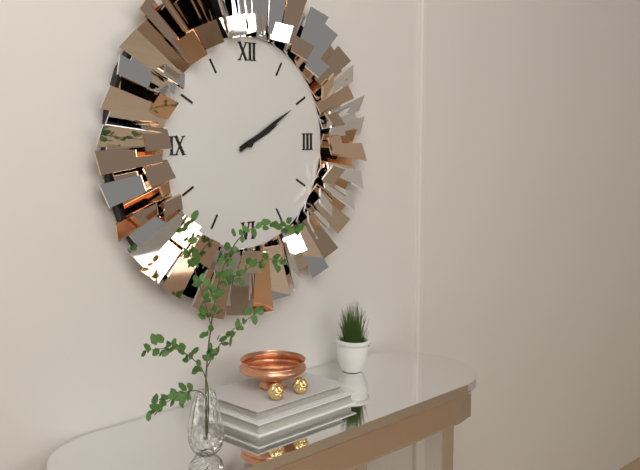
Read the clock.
2:10
